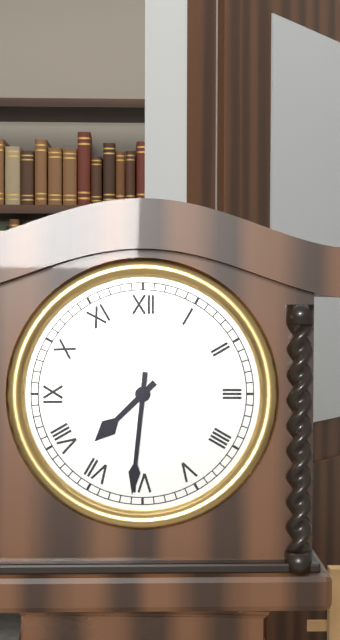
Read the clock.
7:31
